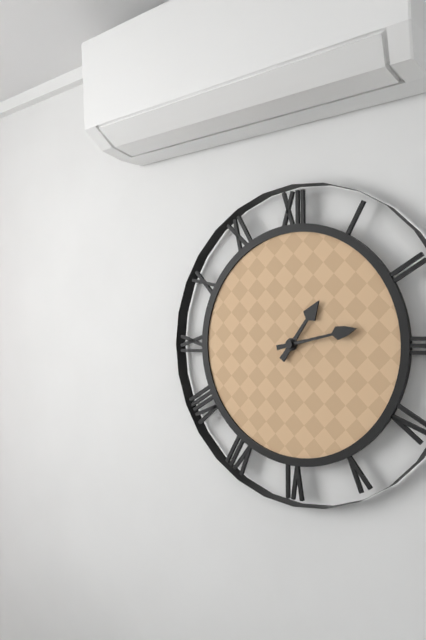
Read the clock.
1:13
